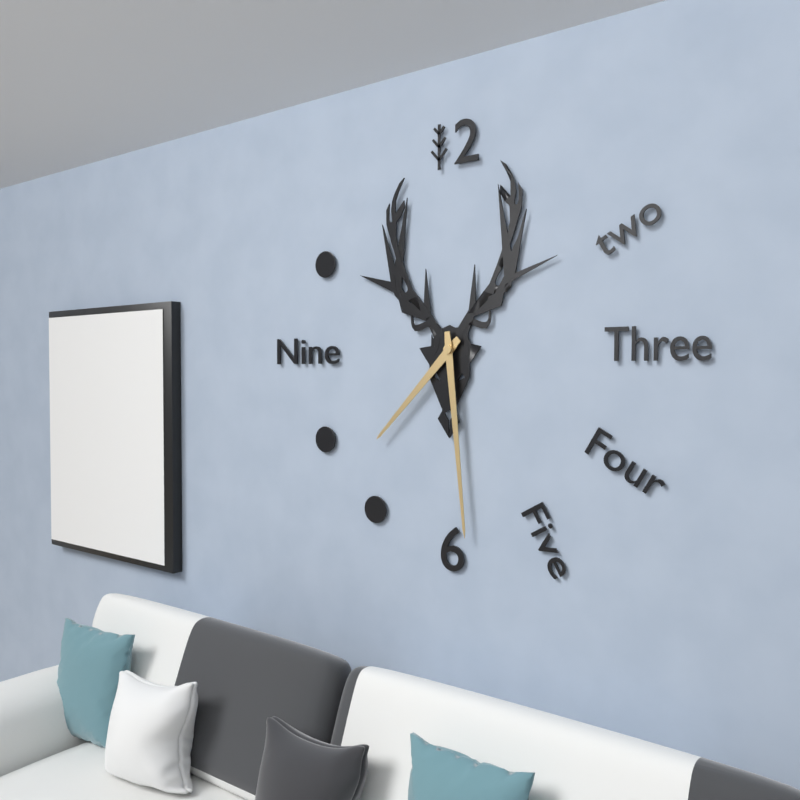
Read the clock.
7:29
